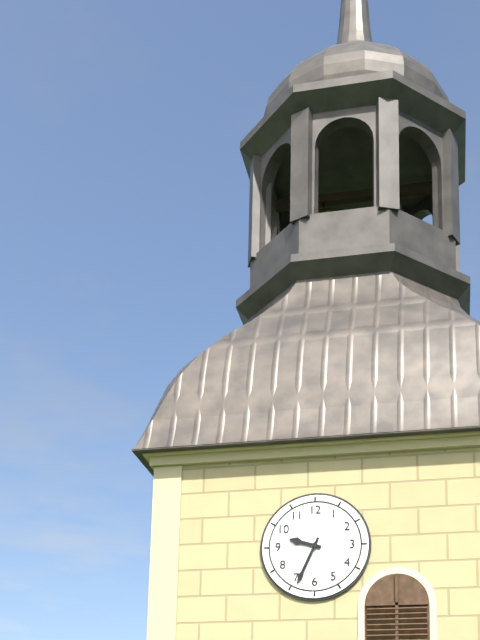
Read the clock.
9:34
